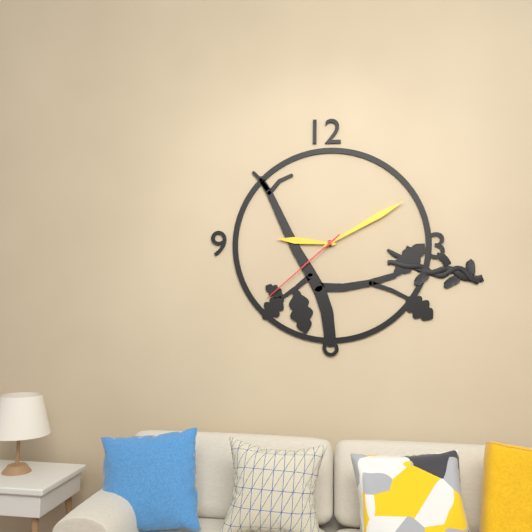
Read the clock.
9:10:38
